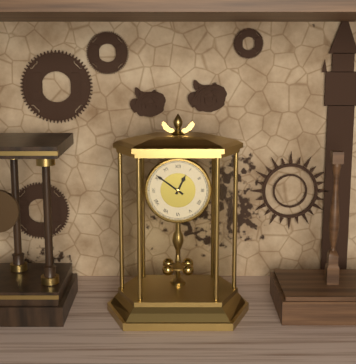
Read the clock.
12:51
